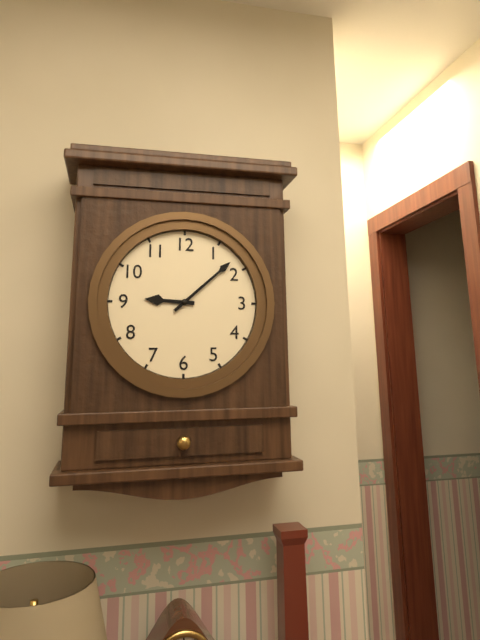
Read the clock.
9:08
